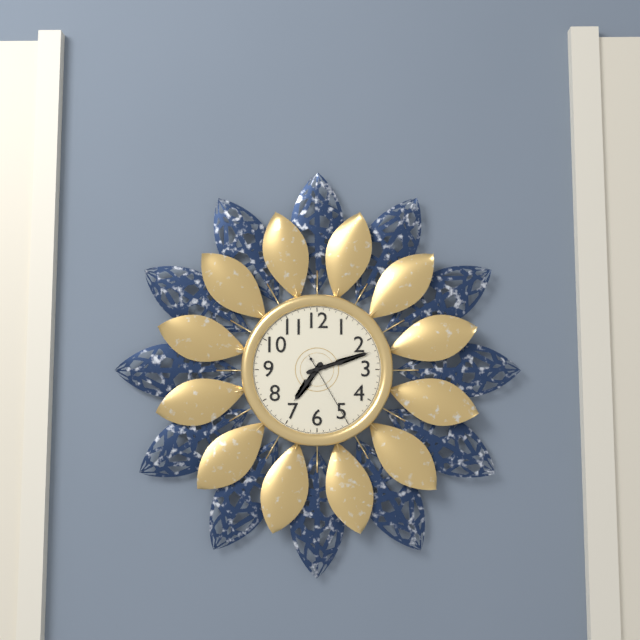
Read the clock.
7:12:25
